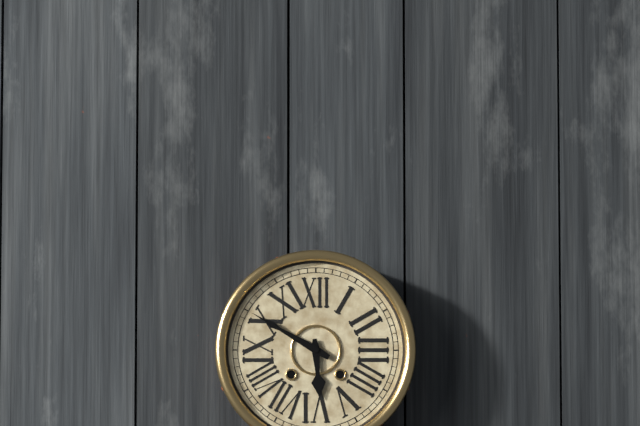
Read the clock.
5:50
